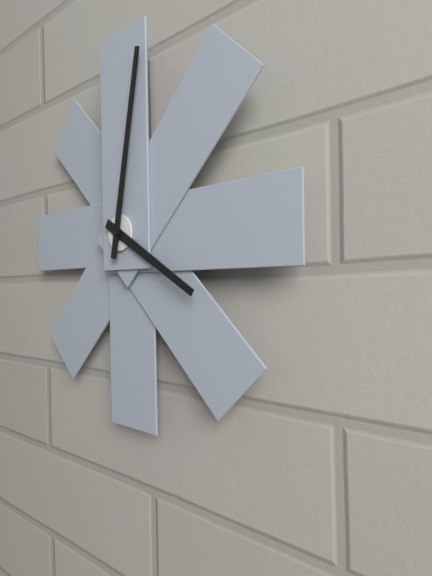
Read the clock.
4:02
